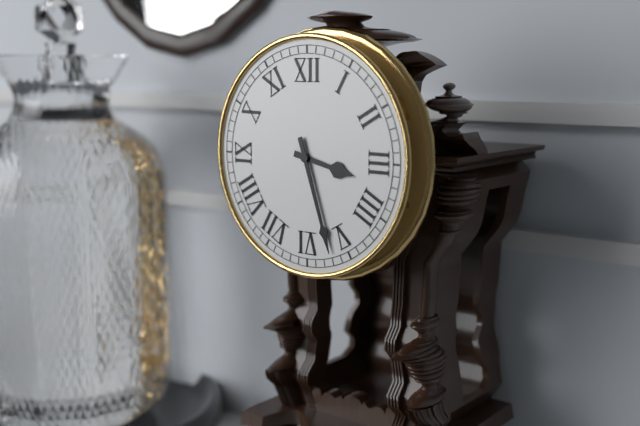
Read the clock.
3:27
